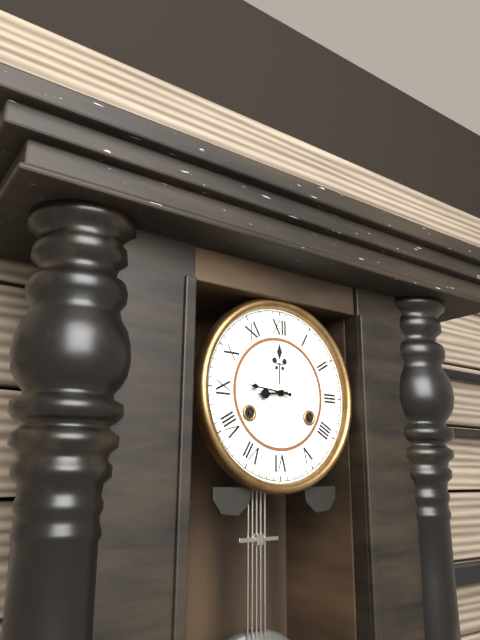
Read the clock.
8:46
